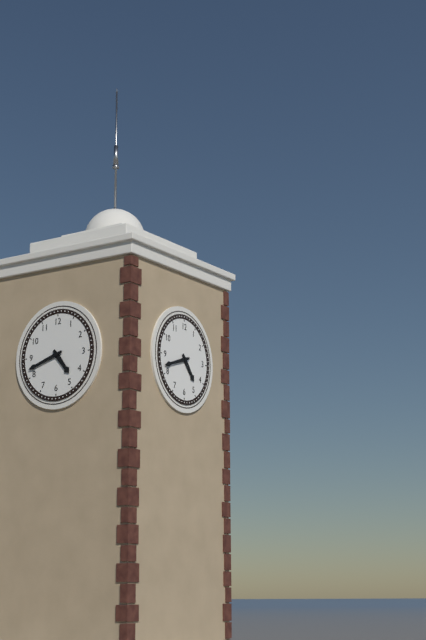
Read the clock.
4:42
